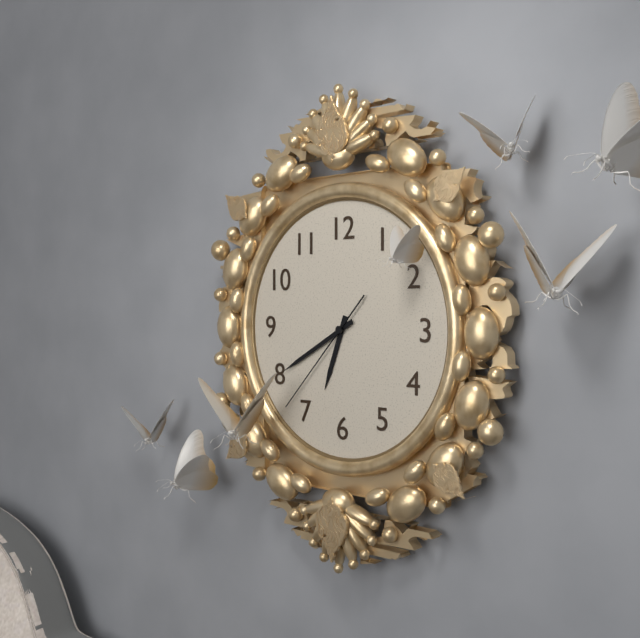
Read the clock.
6:40:37
